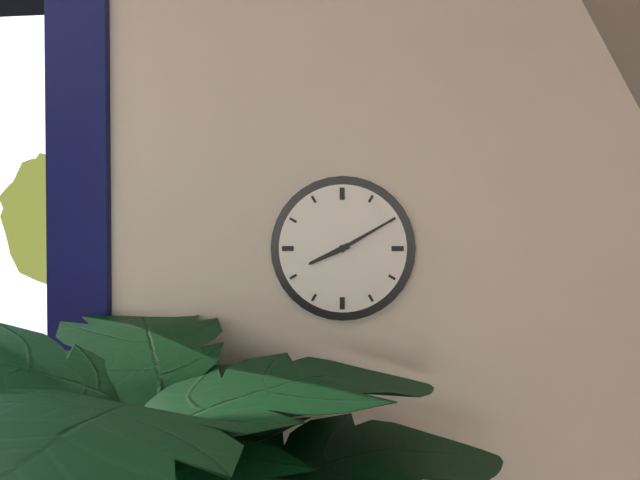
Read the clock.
8:10
